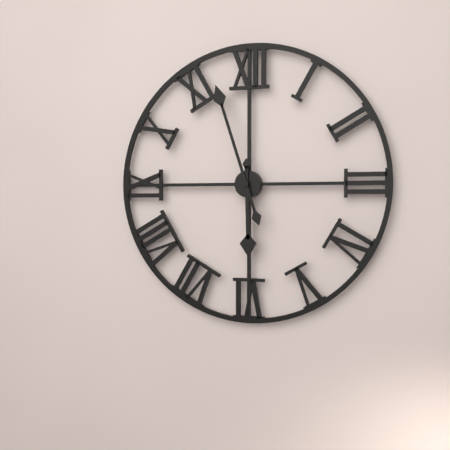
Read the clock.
5:57
